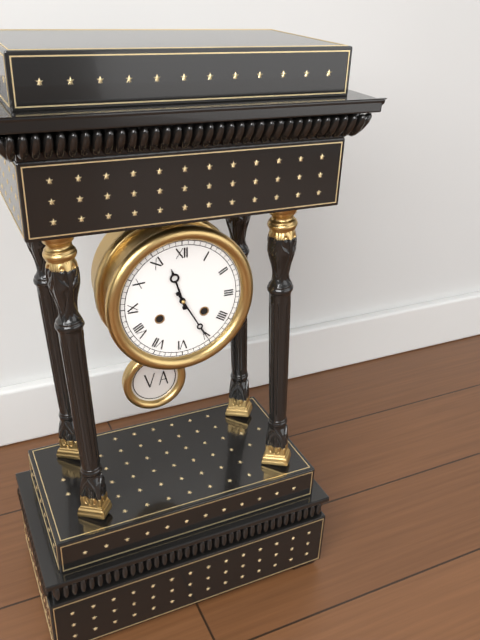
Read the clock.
11:25
